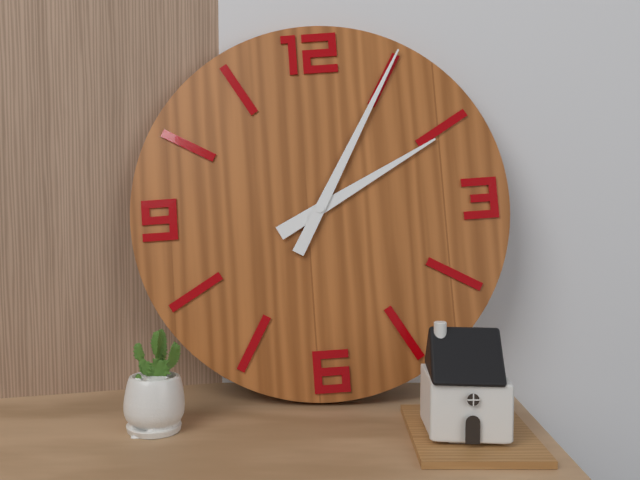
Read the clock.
2:05
